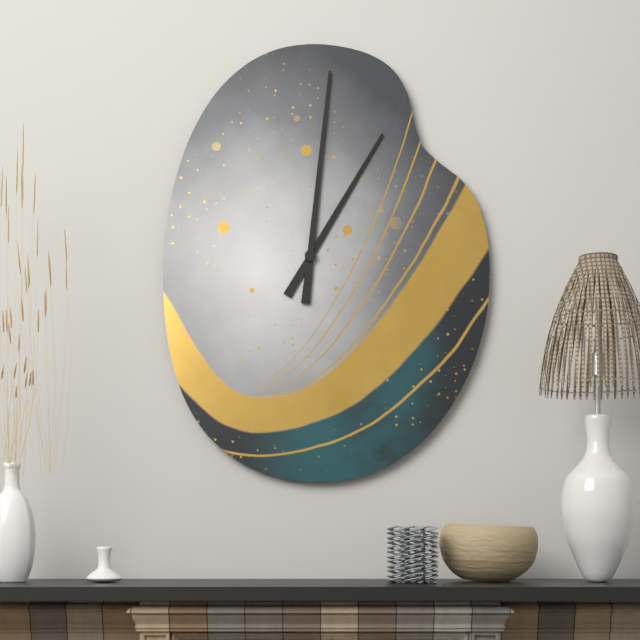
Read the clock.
1:01
